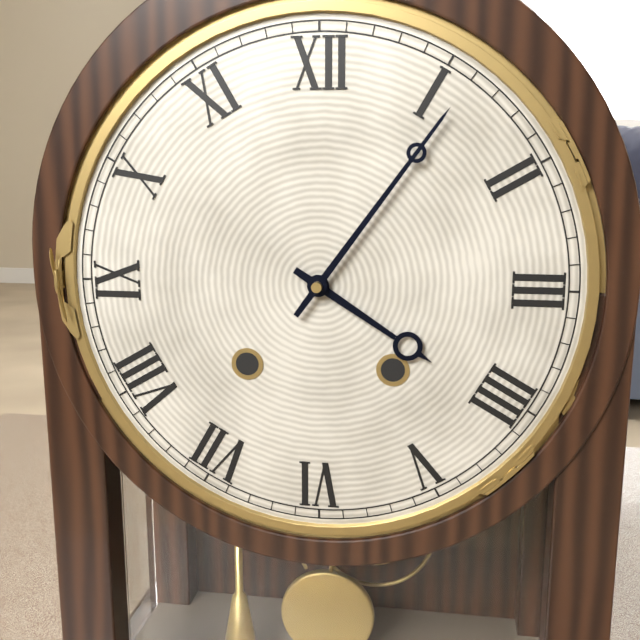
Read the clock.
4:06
